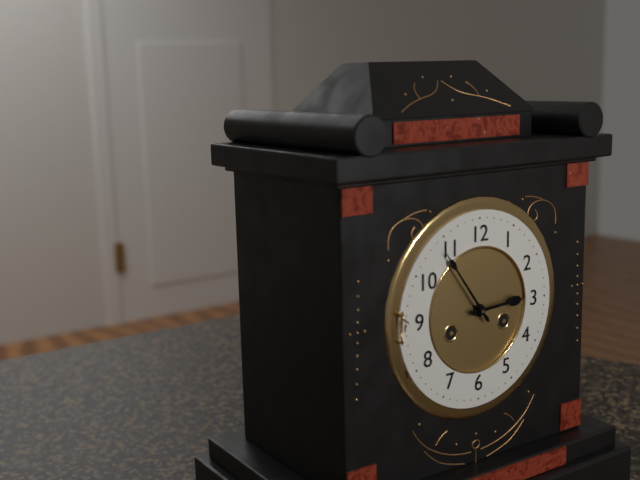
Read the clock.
2:54
